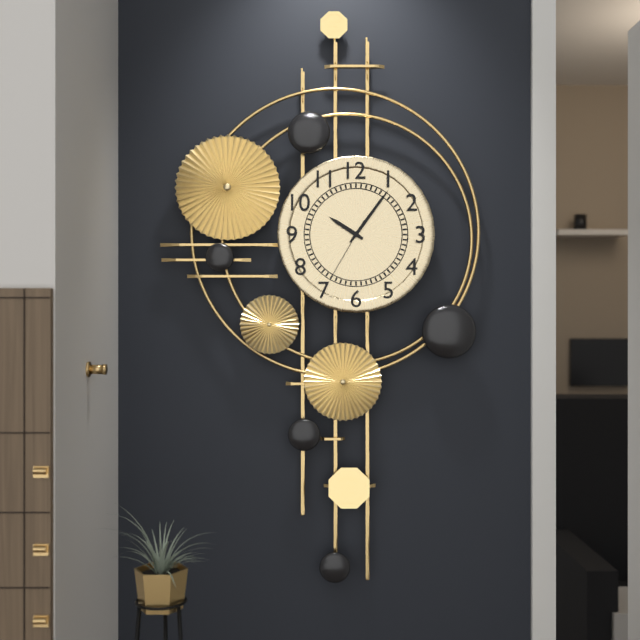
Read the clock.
10:06:35
